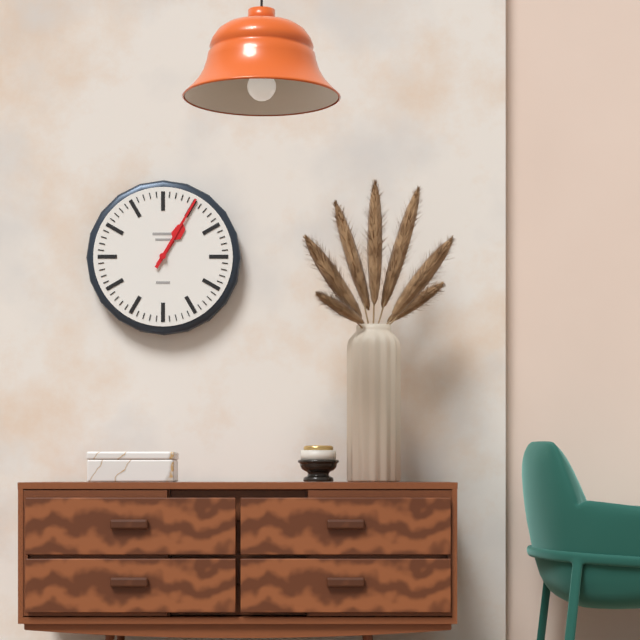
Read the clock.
1:05
